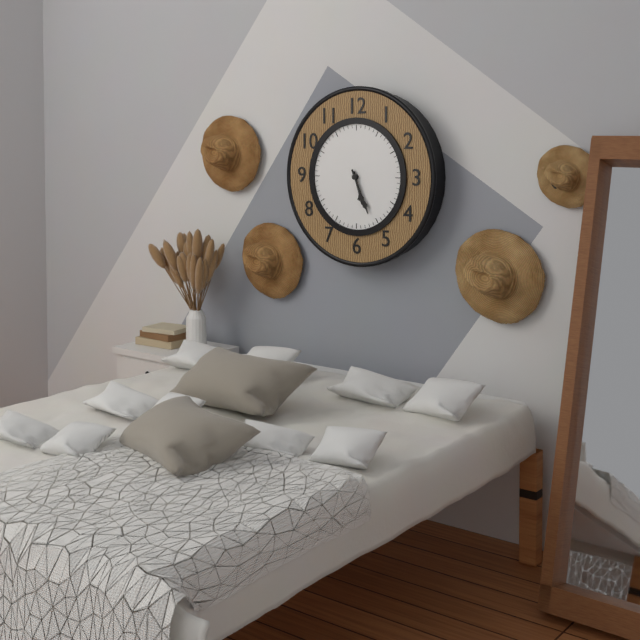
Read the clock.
5:26
